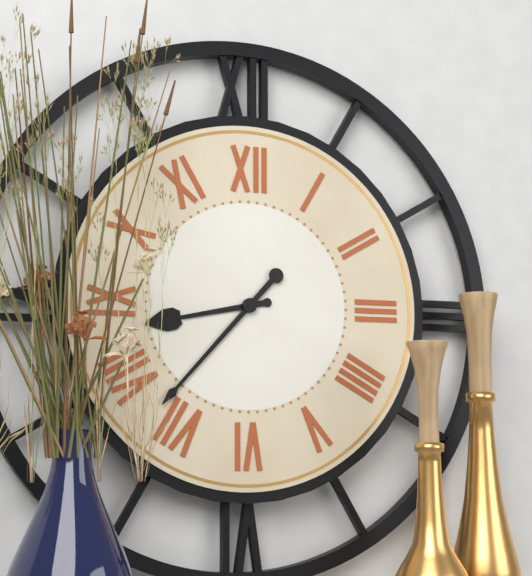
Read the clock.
8:37
